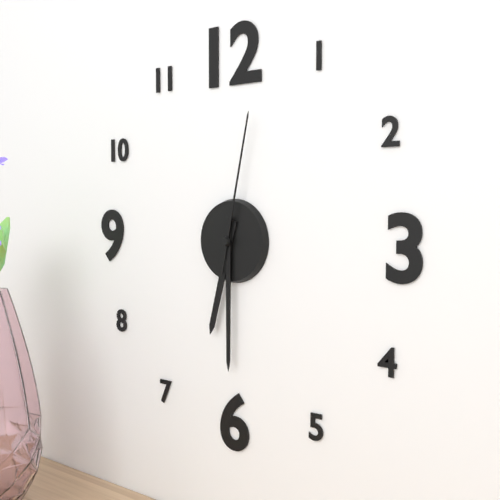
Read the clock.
6:30:02
